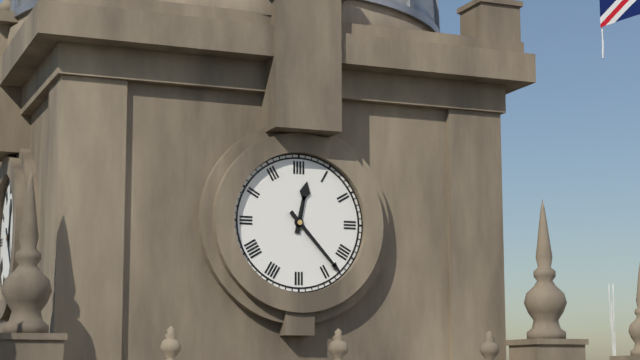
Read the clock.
12:23
